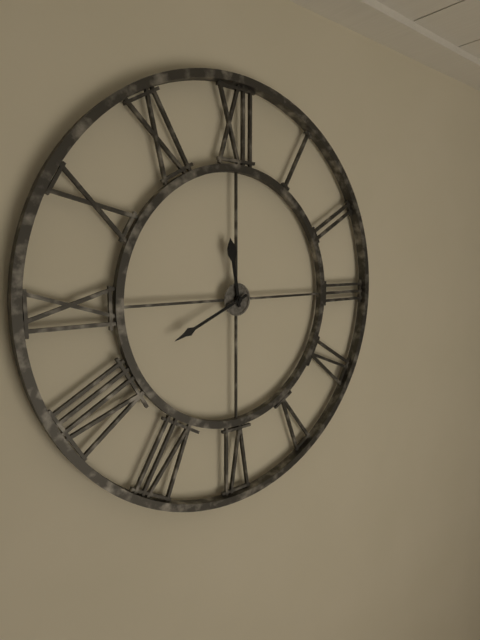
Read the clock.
11:41
